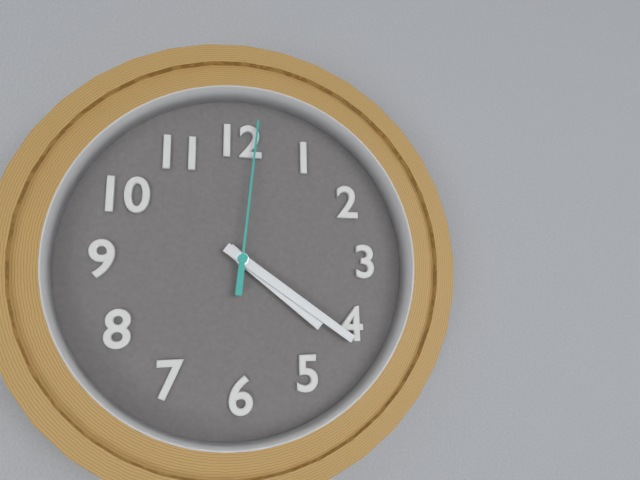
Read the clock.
4:21:01
